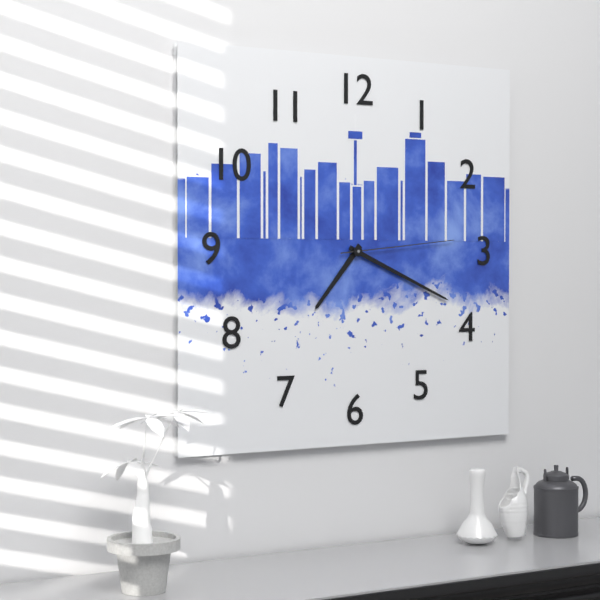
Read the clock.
7:19:14
